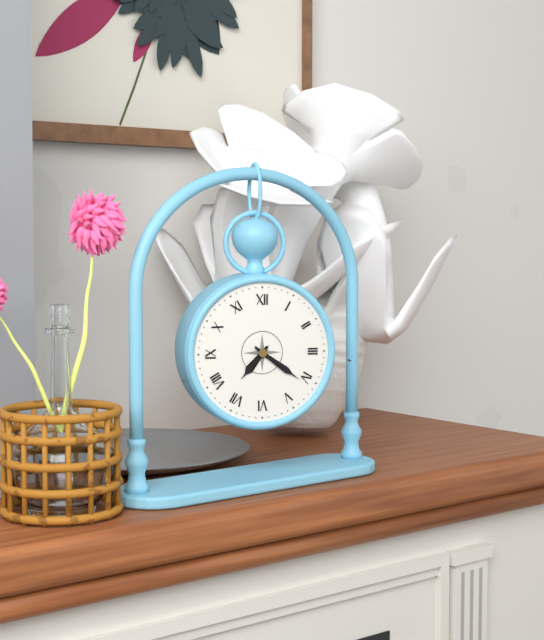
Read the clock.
7:21
